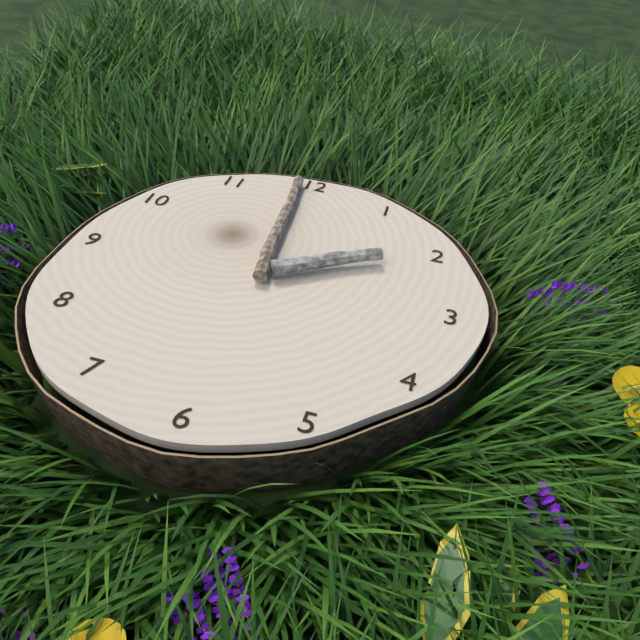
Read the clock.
1:59
